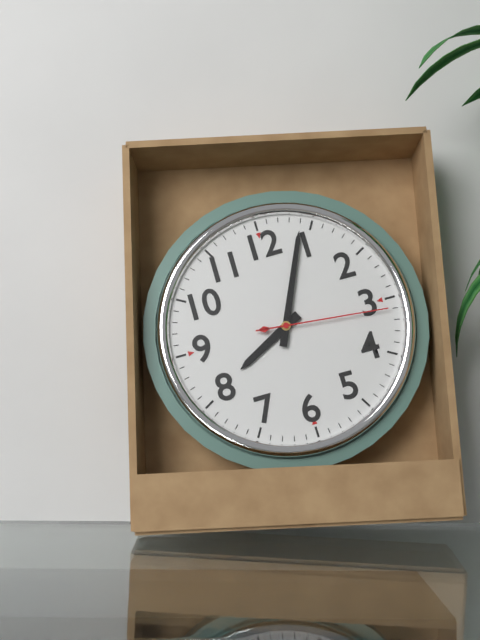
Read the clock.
8:04:16
